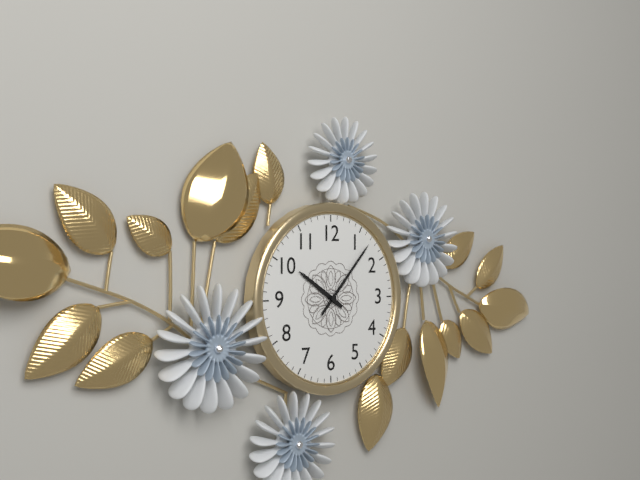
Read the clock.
10:07
